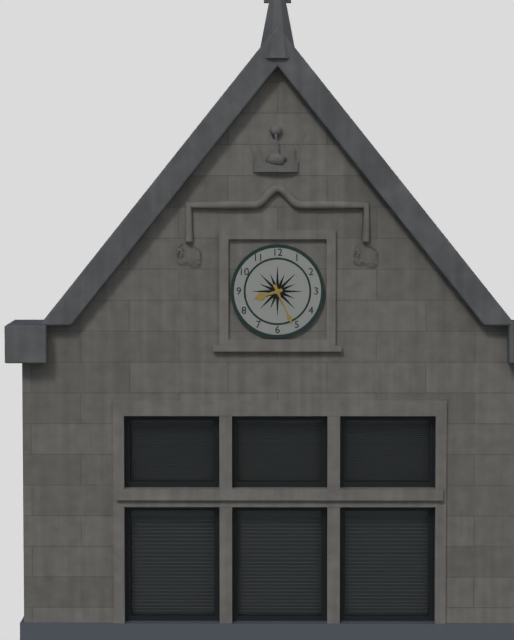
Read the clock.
8:26
